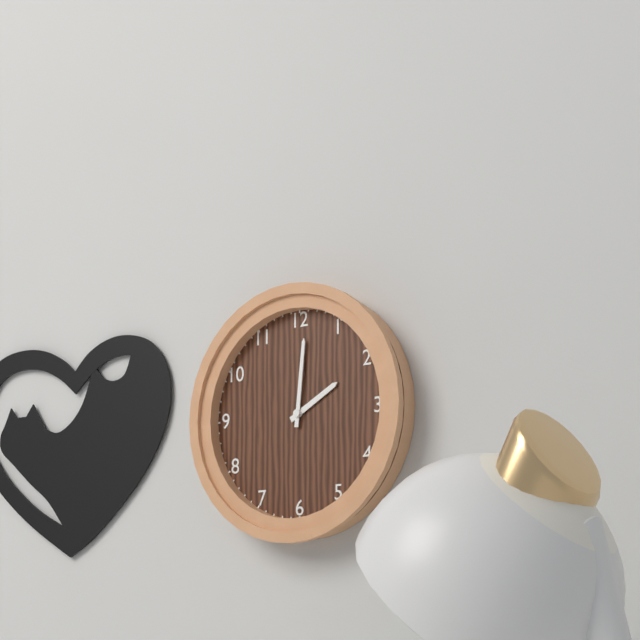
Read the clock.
2:01
